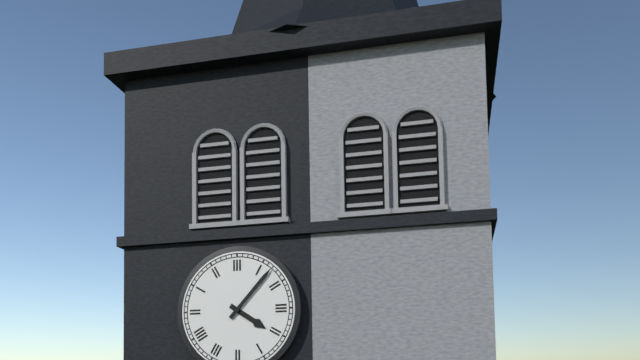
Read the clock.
4:07
